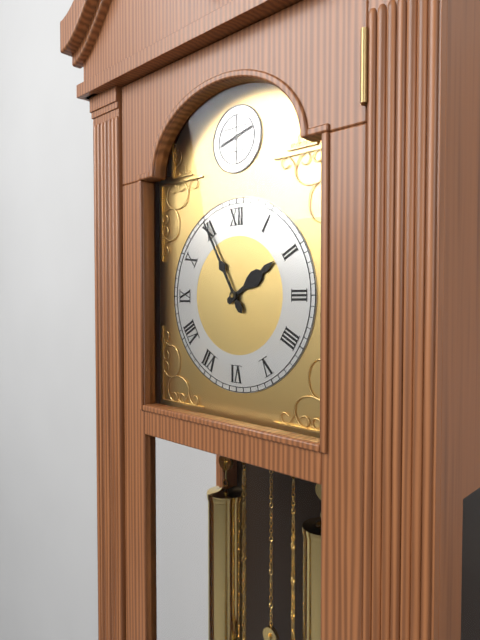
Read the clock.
1:55
